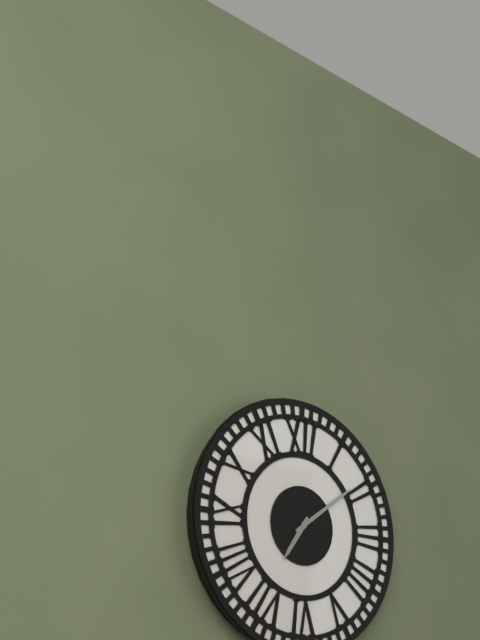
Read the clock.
7:09
